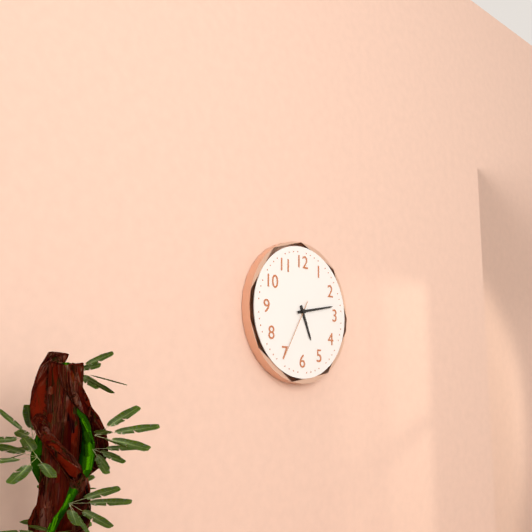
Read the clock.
5:13:35
